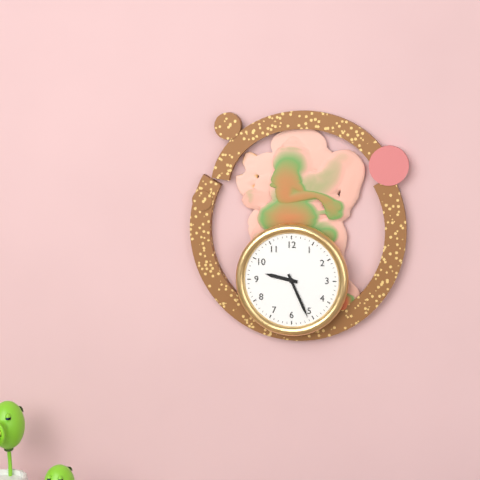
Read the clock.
9:26
